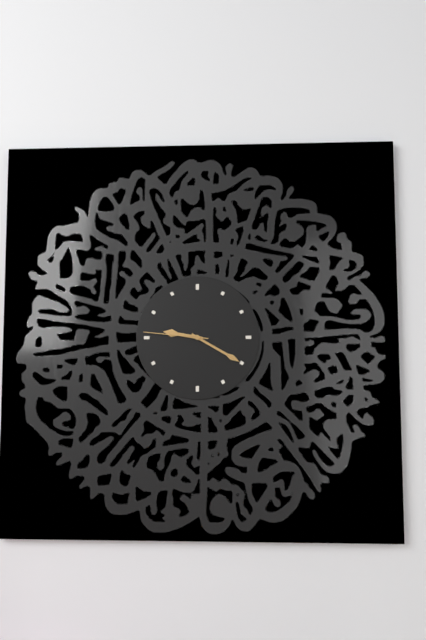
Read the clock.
9:20:46
